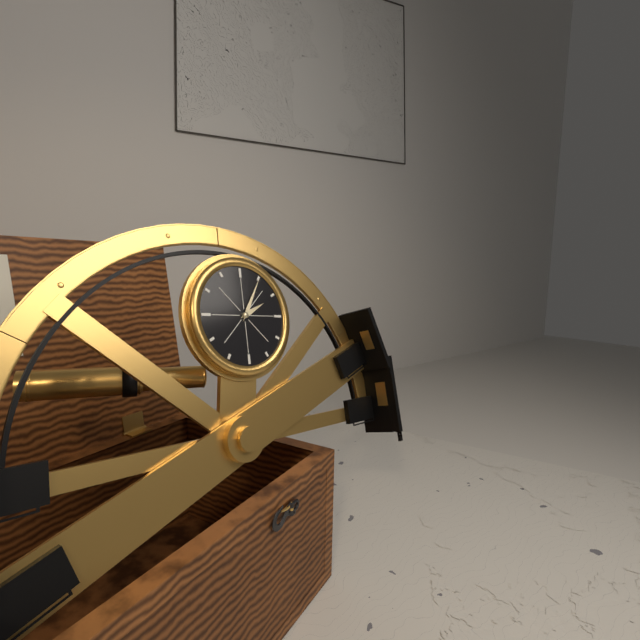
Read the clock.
2:05
